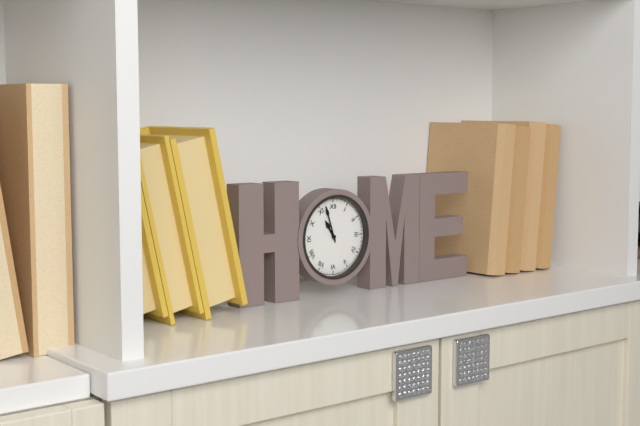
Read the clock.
10:57
